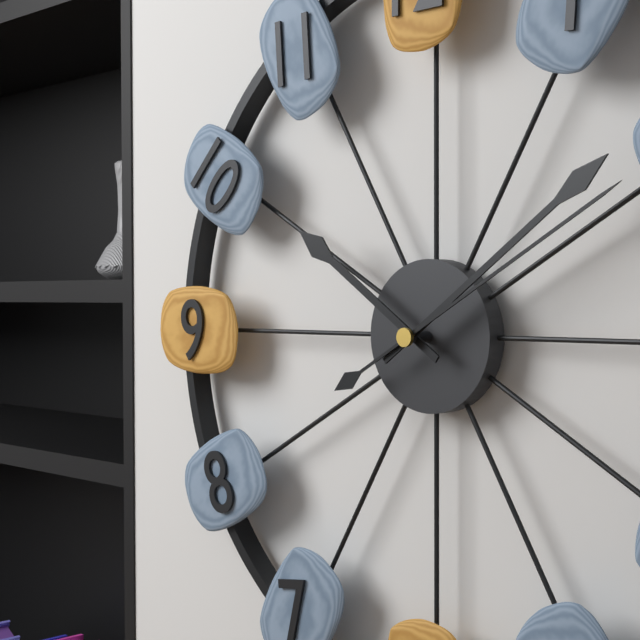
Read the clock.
10:09:10
